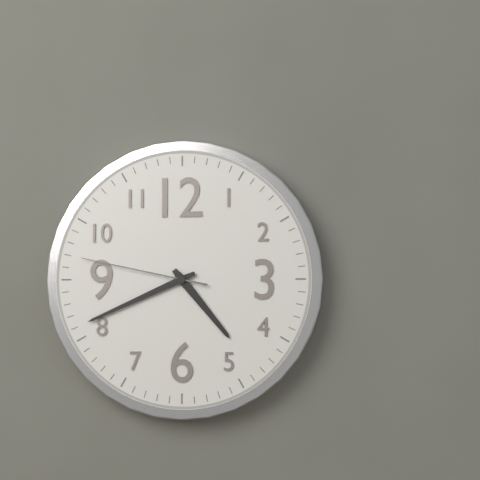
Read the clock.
4:41:47
